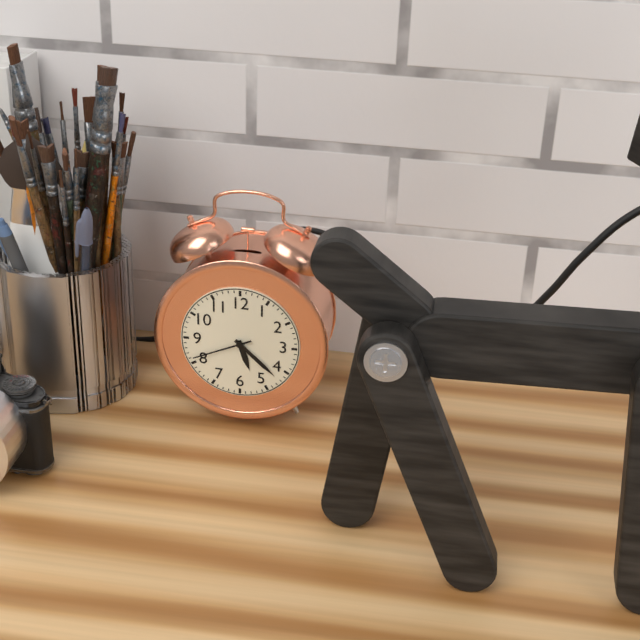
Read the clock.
5:22:41
